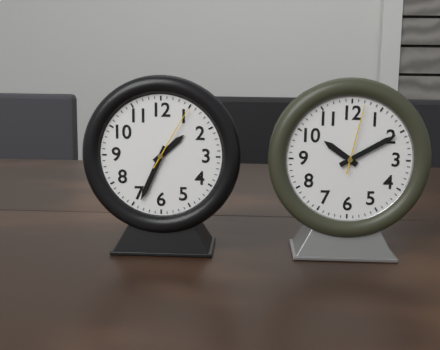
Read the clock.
1:34:05
